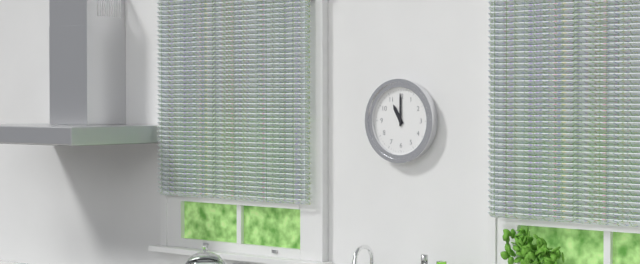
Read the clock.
11:00
